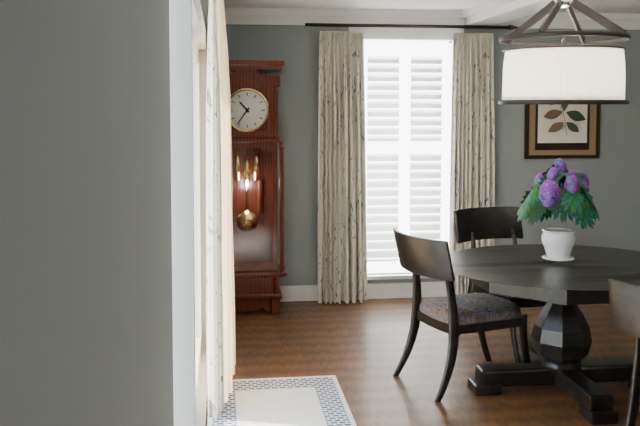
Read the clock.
10:36
